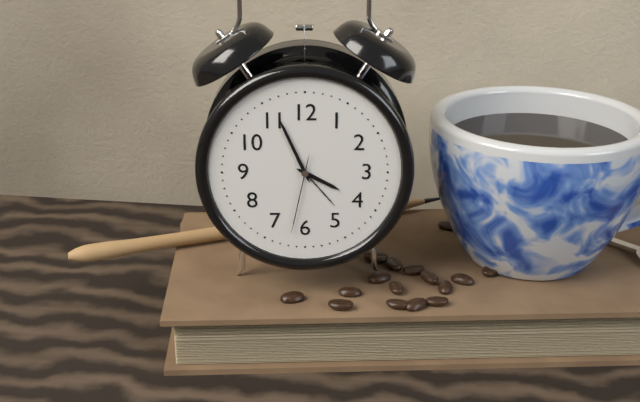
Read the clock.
3:56:32
